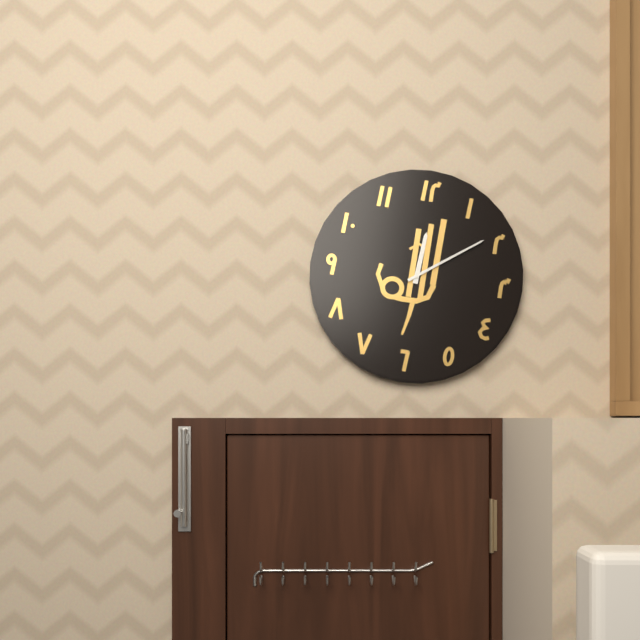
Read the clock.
12:09
